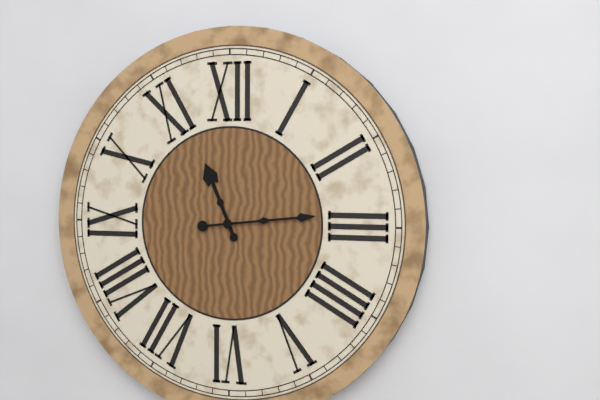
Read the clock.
11:14
